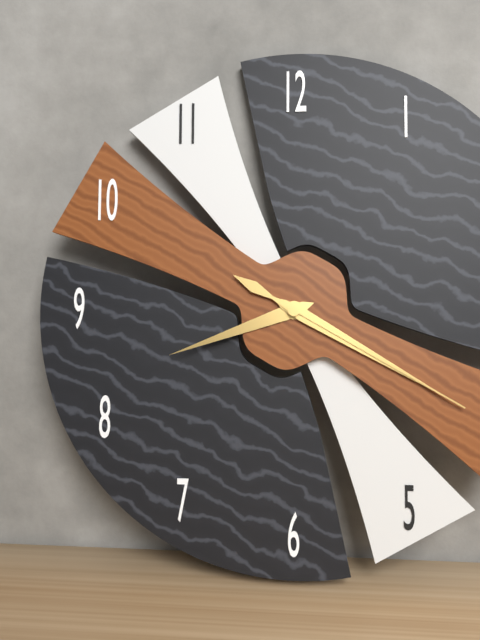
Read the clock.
8:20:20
